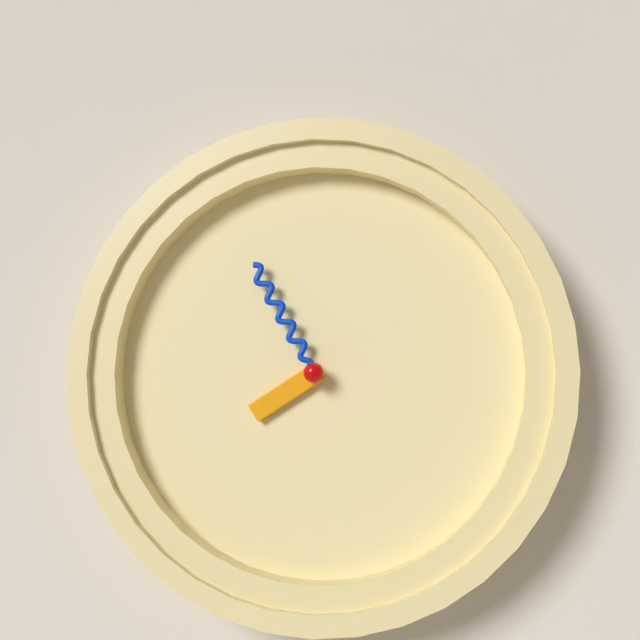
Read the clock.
7:55
